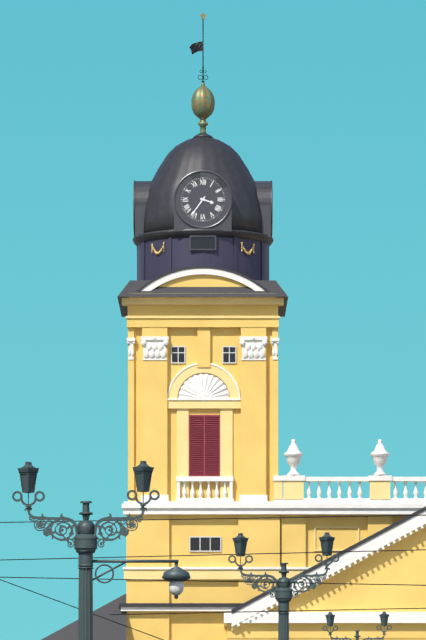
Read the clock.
3:36
